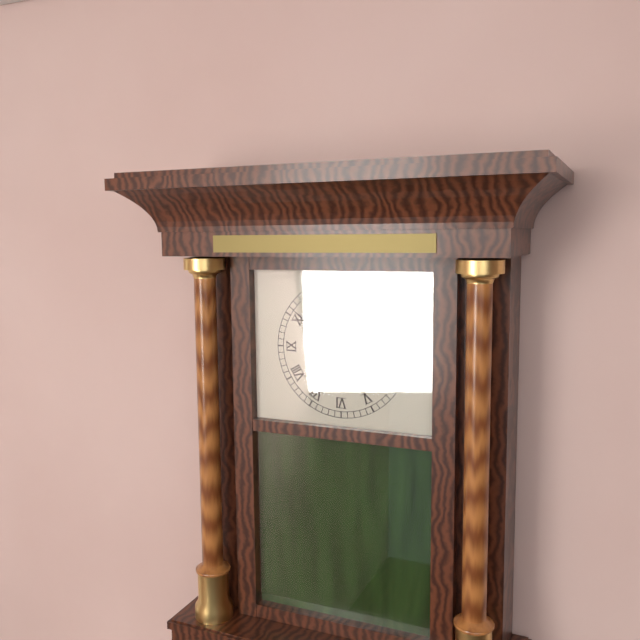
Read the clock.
11:51
